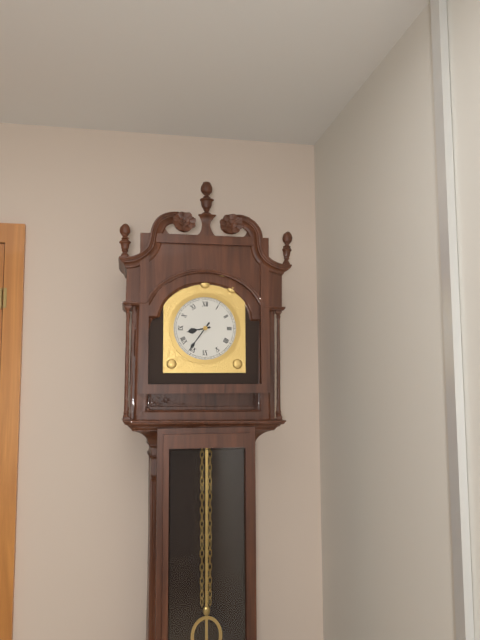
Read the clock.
8:36
